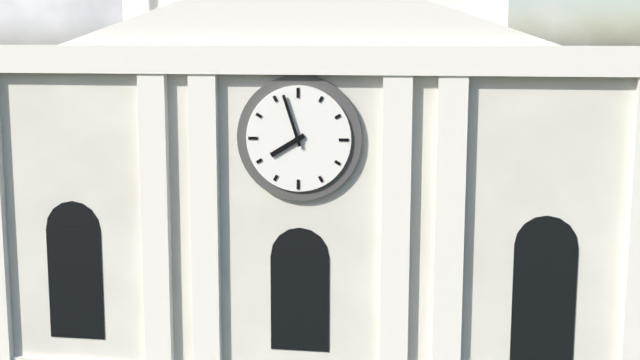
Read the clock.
7:57
